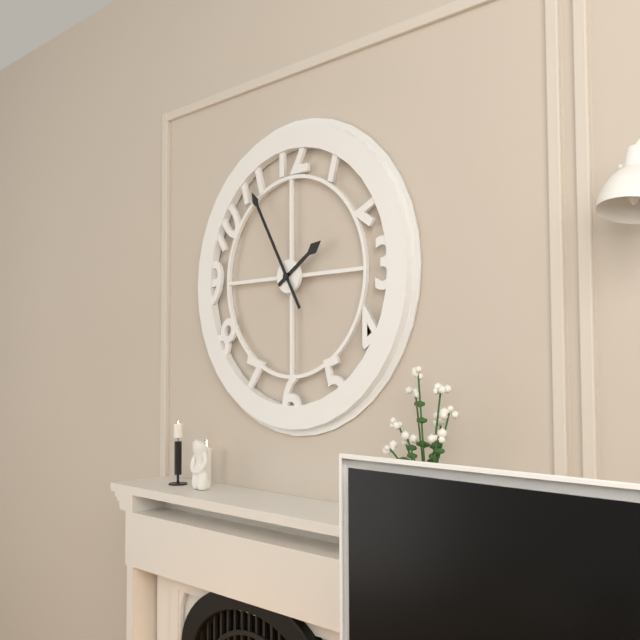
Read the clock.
1:55
